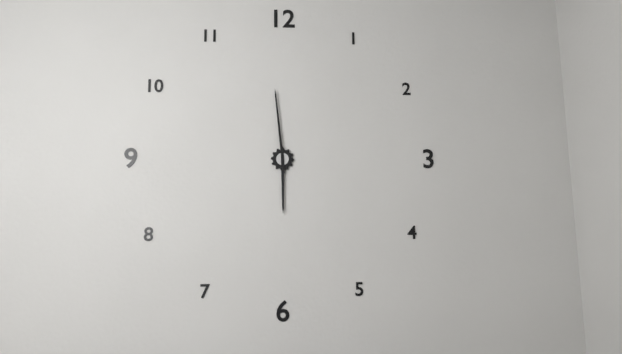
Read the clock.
5:59
